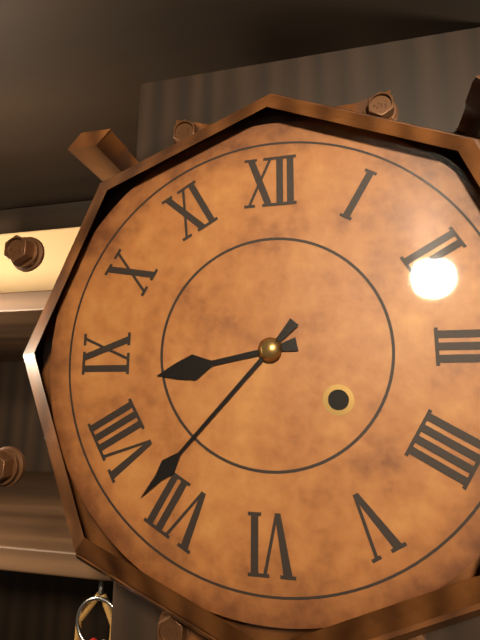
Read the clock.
8:37
